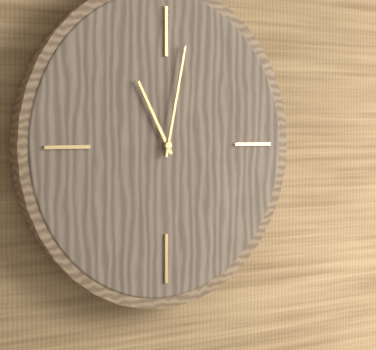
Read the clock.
11:02
